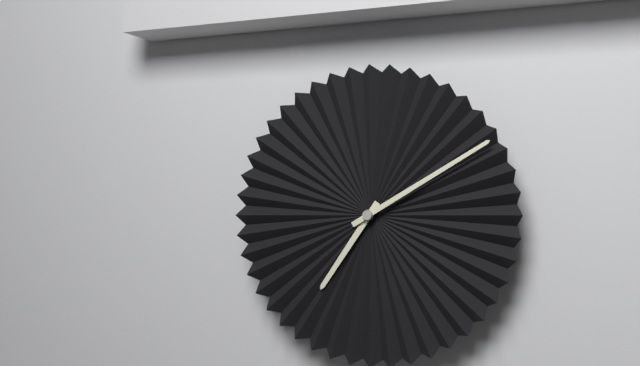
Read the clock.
7:10
